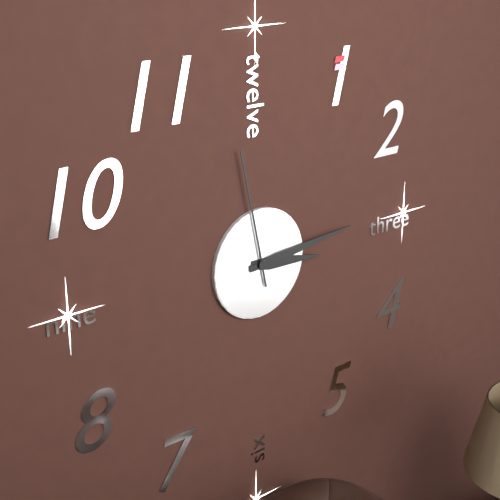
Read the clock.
3:14:58
